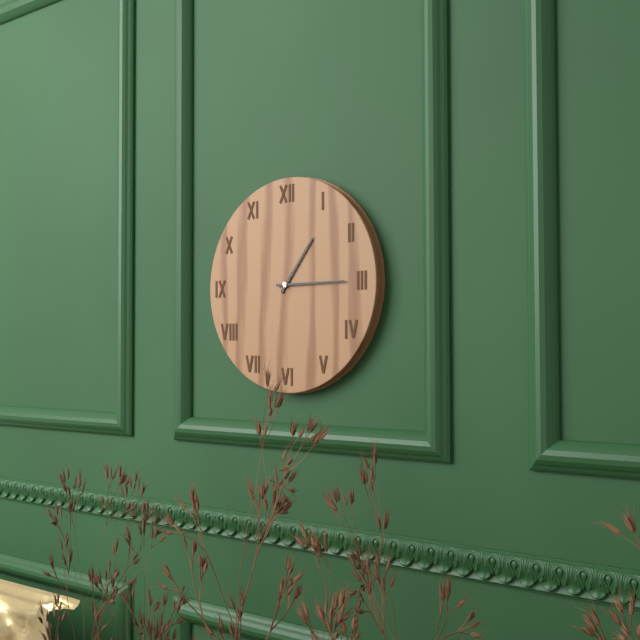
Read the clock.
1:15
